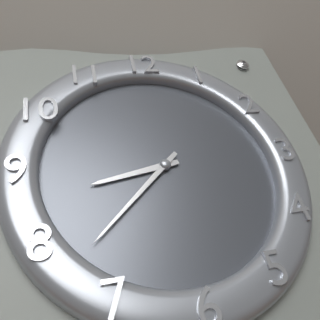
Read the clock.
8:38
